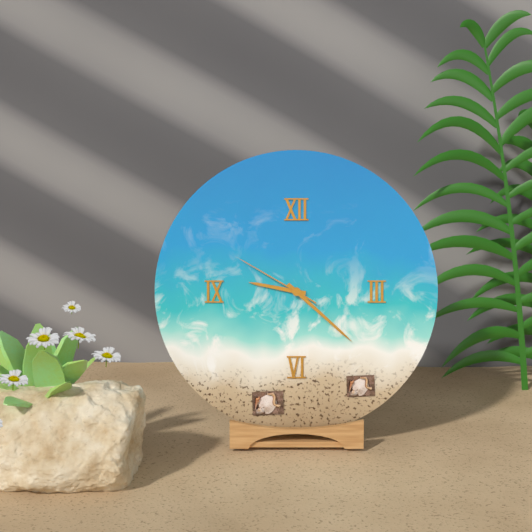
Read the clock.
9:22:50
